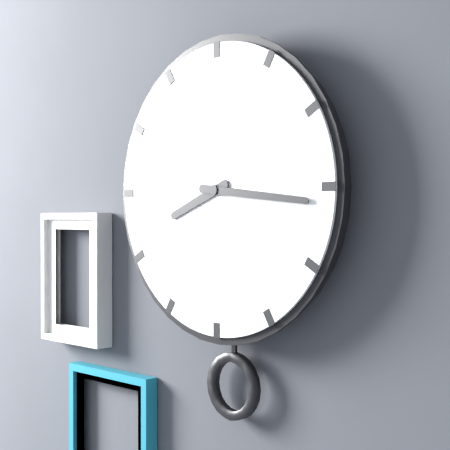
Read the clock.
8:16
